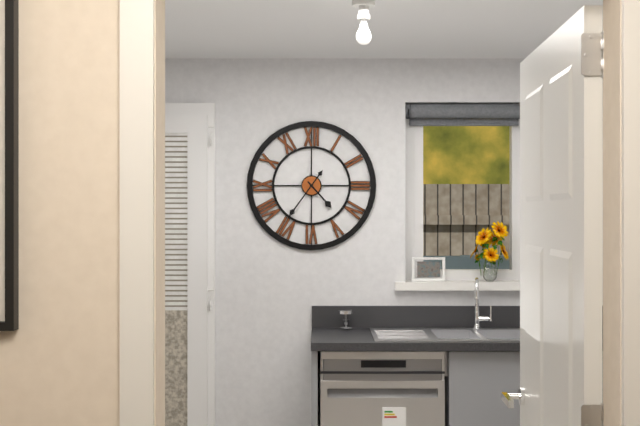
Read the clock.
4:36
